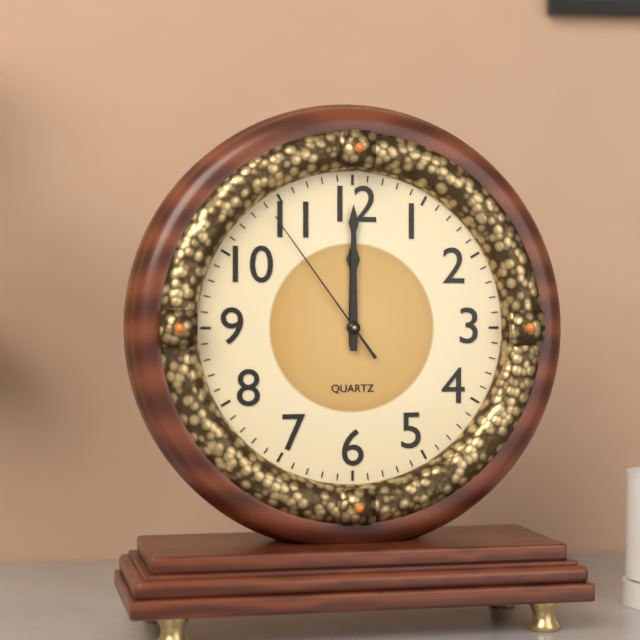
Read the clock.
12:00:54
